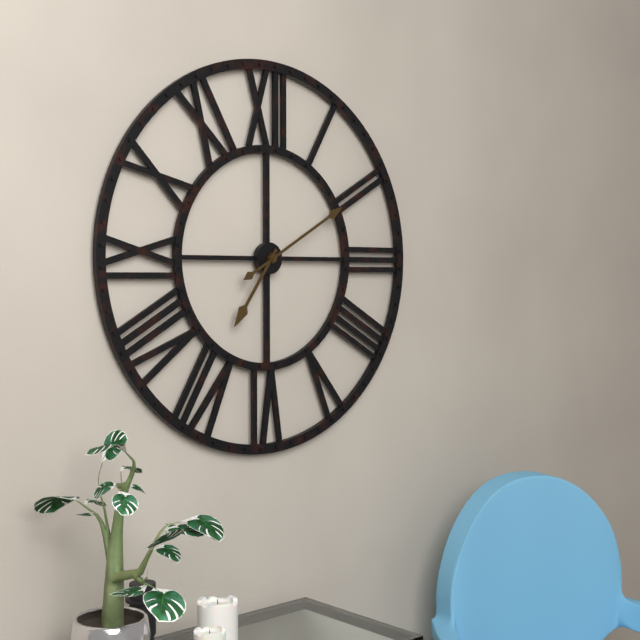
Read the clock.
7:10
